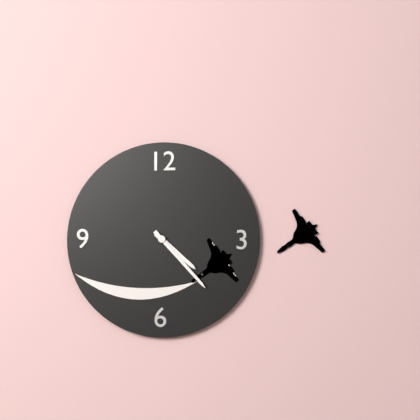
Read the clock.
4:23
